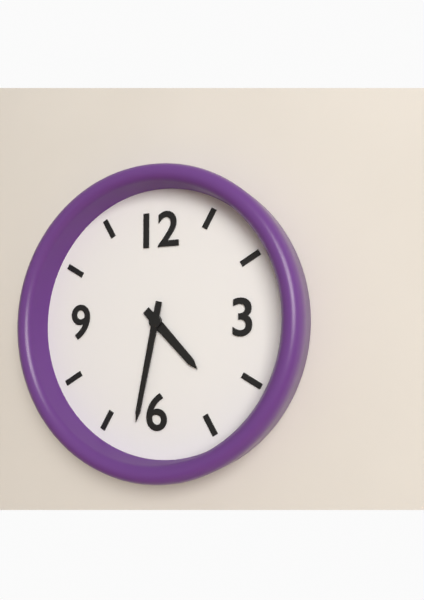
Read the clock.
4:32
